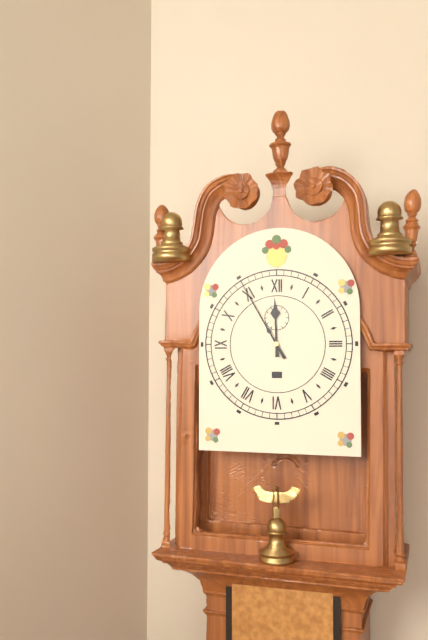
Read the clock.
11:55
